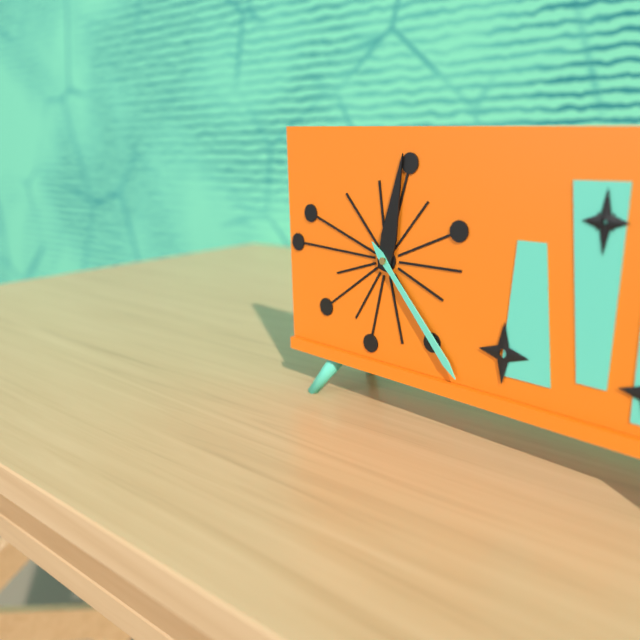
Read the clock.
12:23
